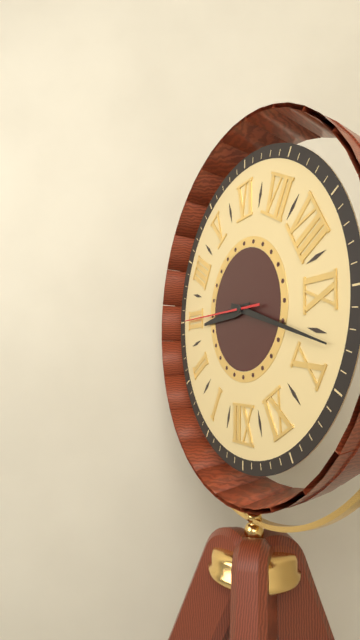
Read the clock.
2:48:15
